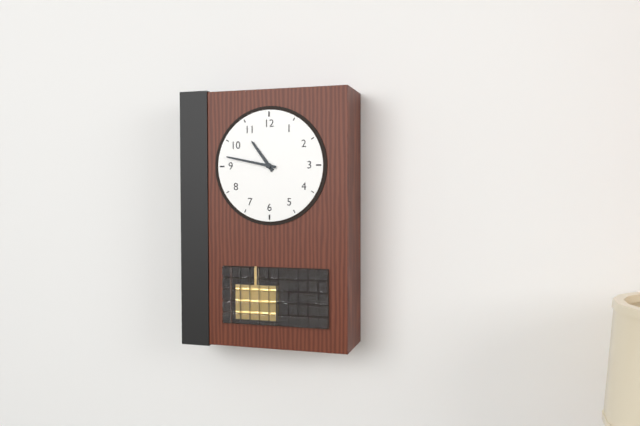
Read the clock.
10:47
